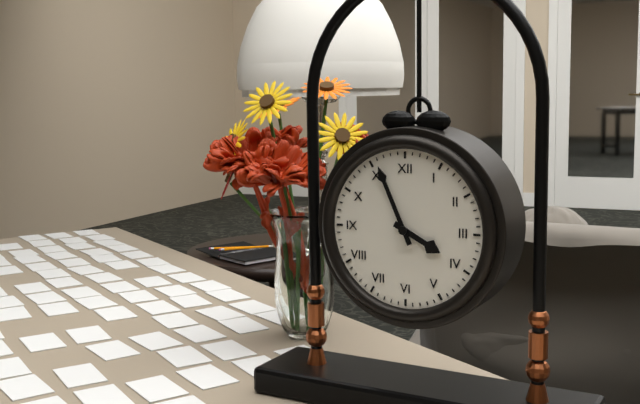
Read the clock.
3:56
